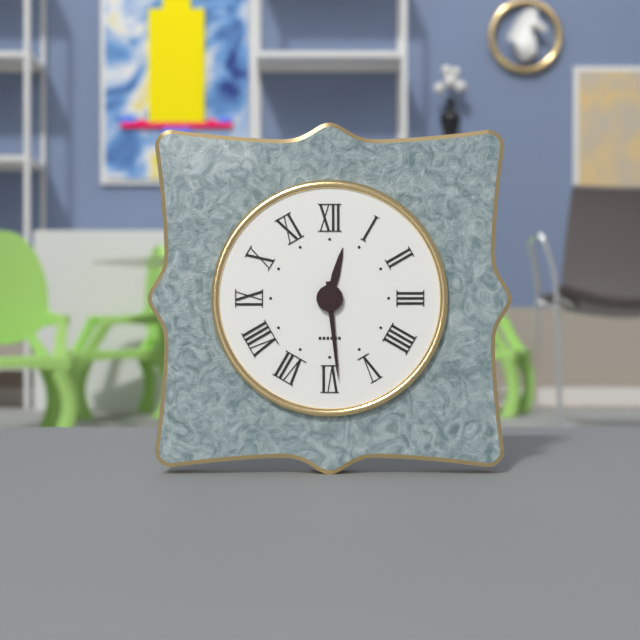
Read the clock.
12:29
